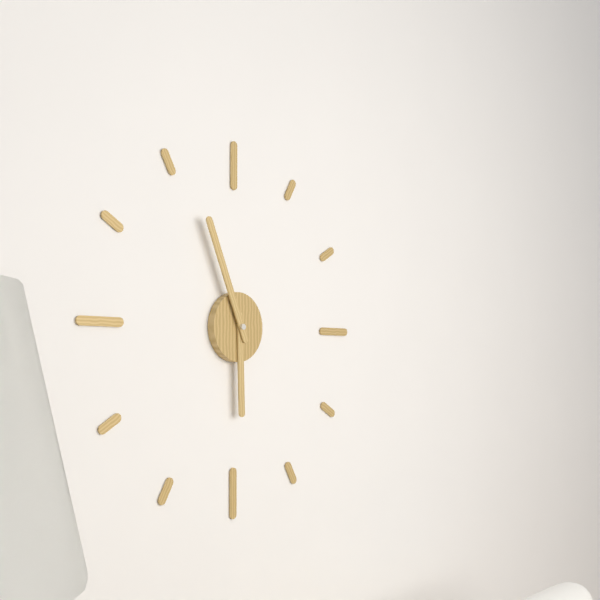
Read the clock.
5:56
